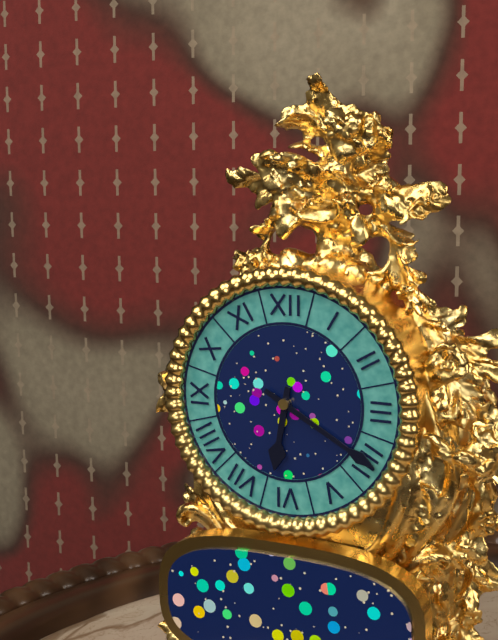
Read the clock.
6:20
